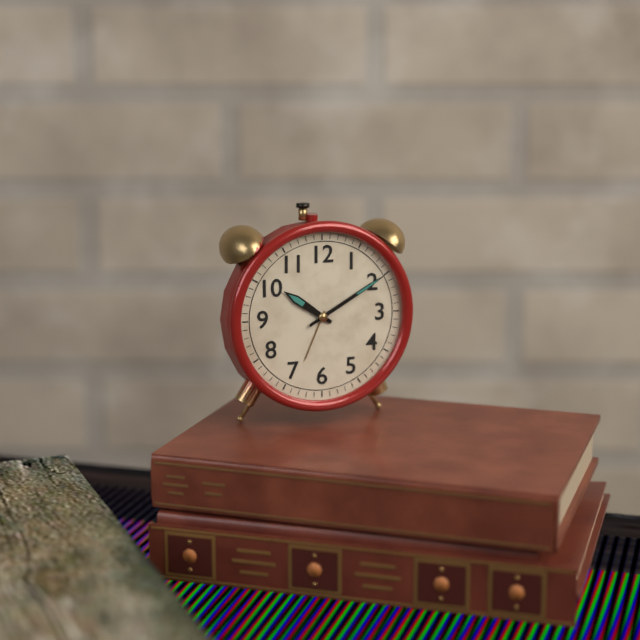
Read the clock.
10:10
